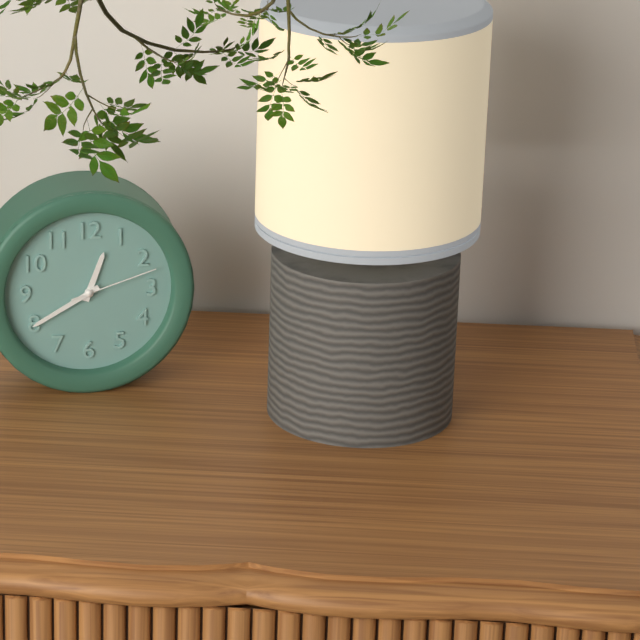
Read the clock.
12:40:12
